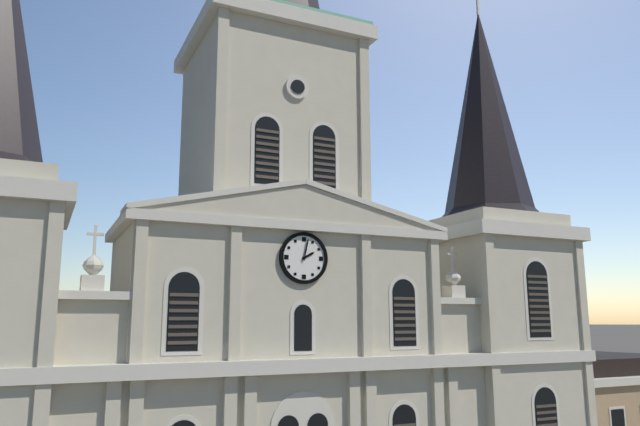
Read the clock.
2:02
